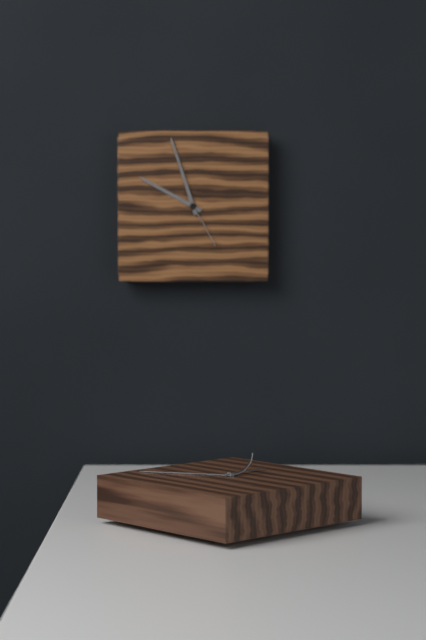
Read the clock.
9:57:25
